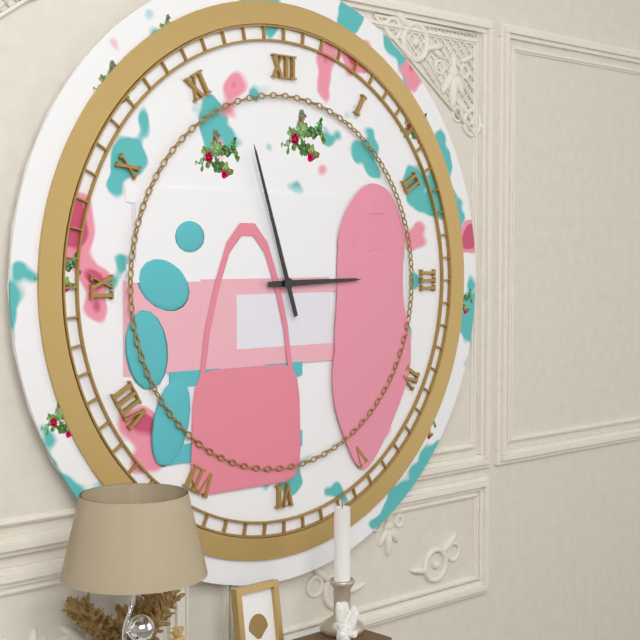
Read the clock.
2:57
